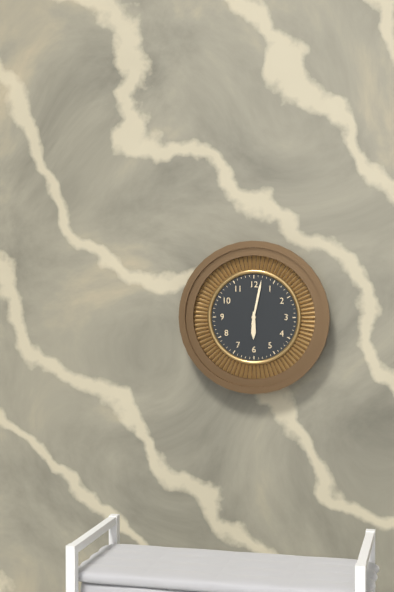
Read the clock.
6:02
